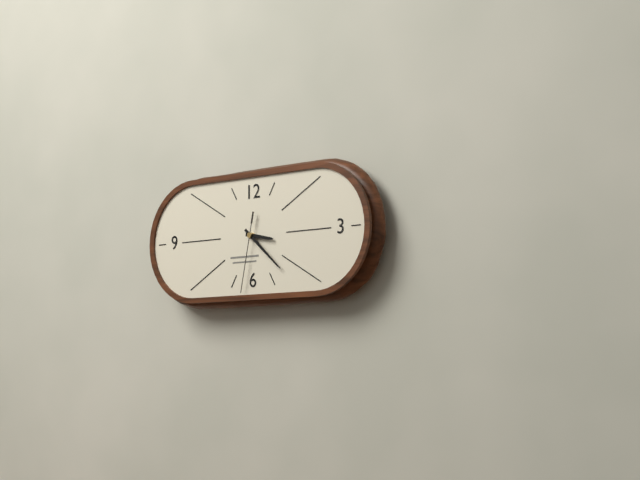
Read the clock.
3:22:32
